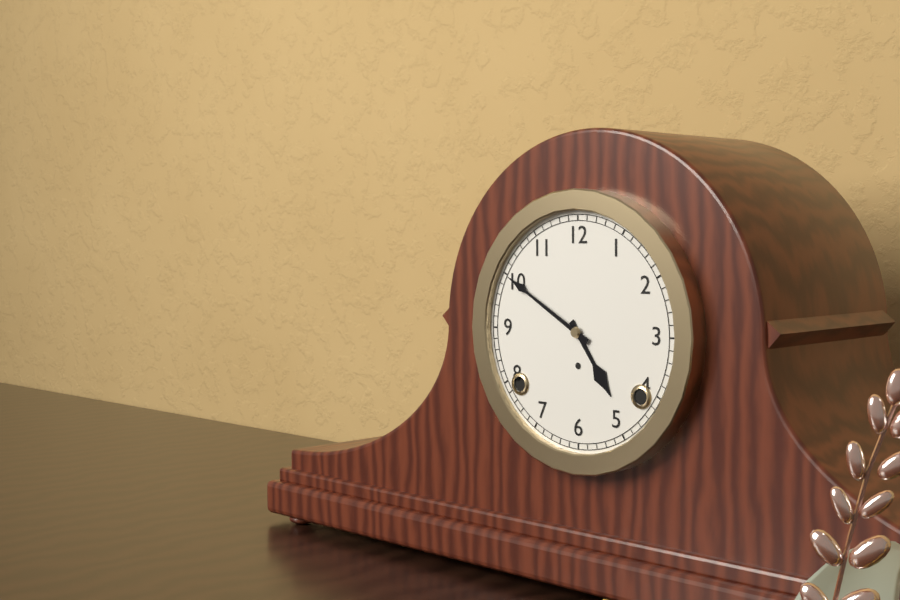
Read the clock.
4:50
